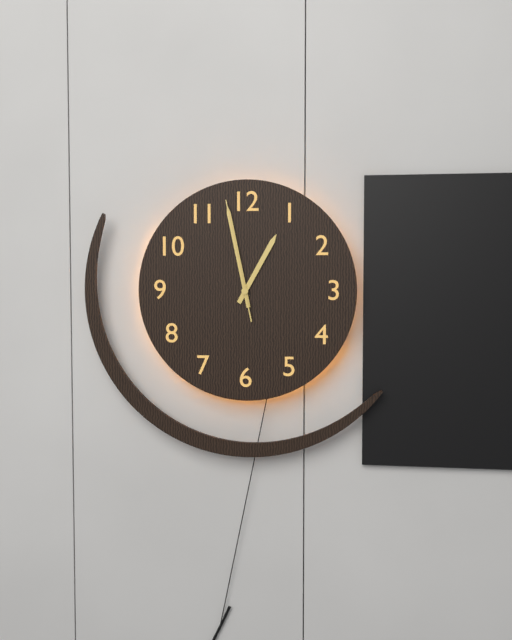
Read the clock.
12:58:58
